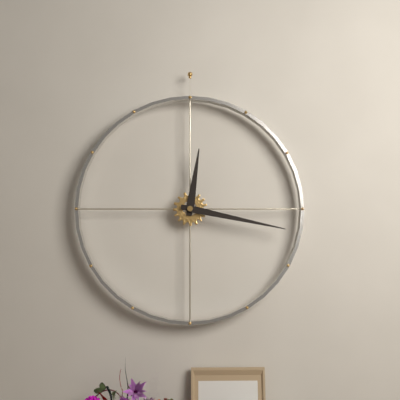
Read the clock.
12:17
